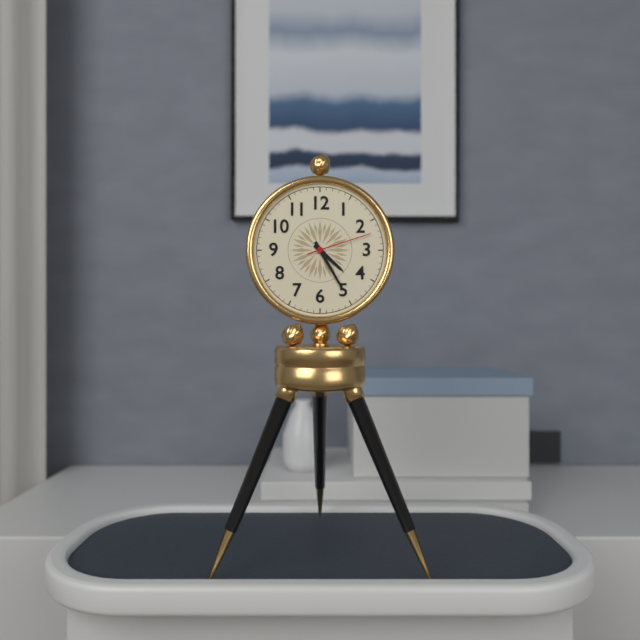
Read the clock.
4:25:12
